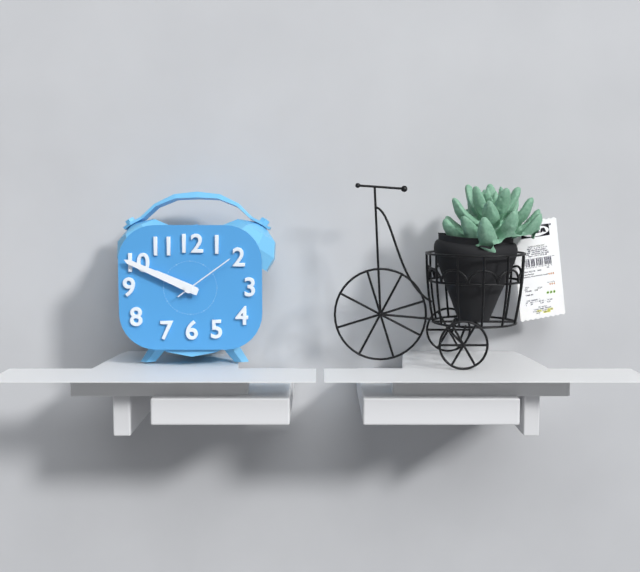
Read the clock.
9:49:09
